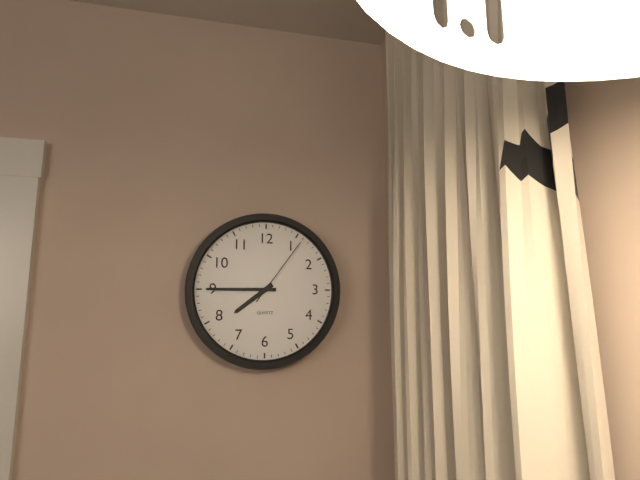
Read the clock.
7:45:06
